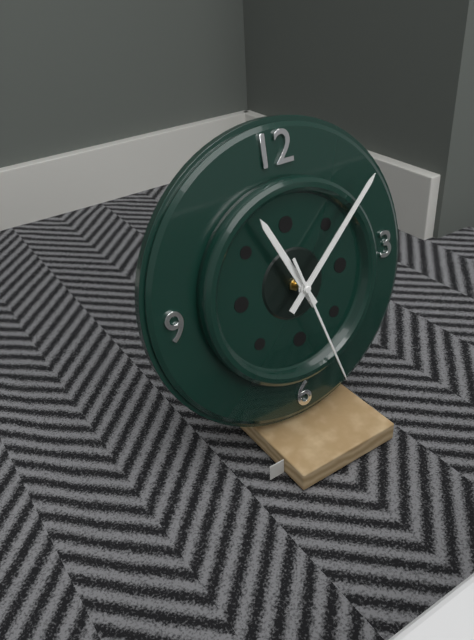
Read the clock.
11:08:27
